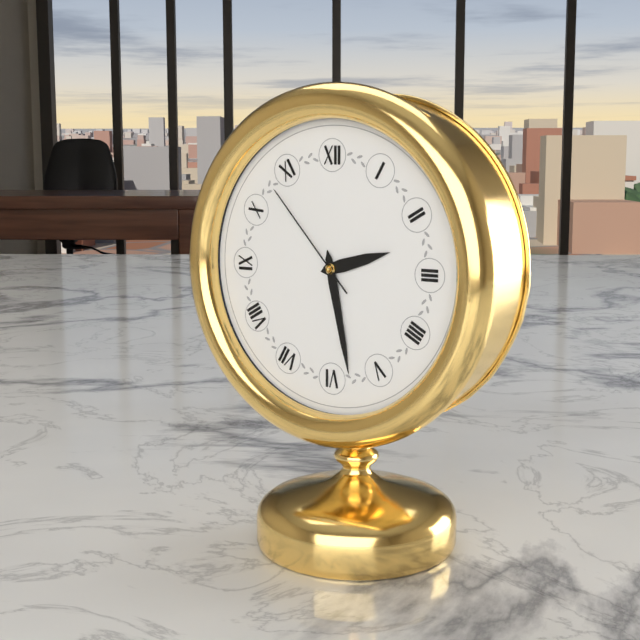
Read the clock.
2:28:53
